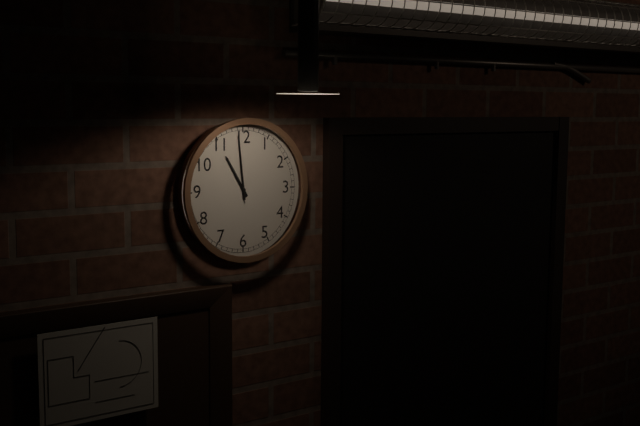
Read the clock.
10:59:59
